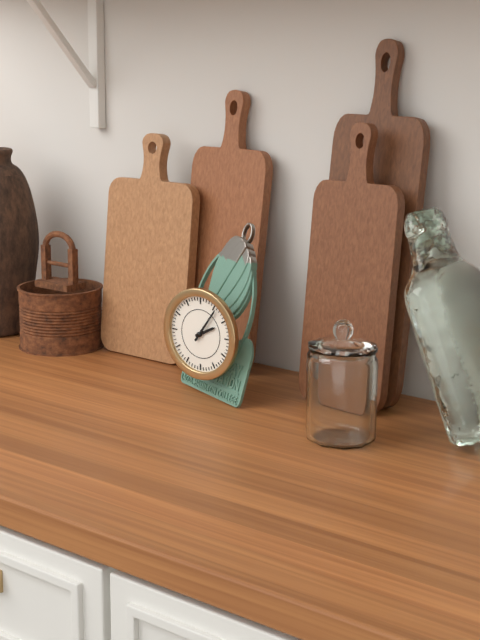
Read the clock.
2:06
